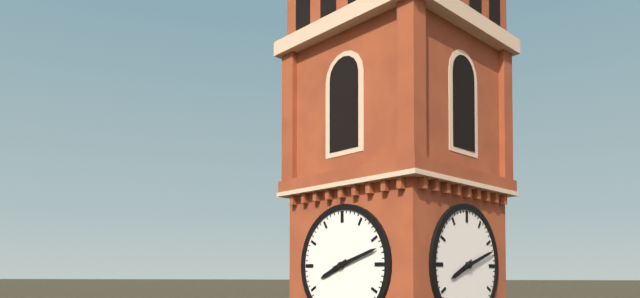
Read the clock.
8:12
